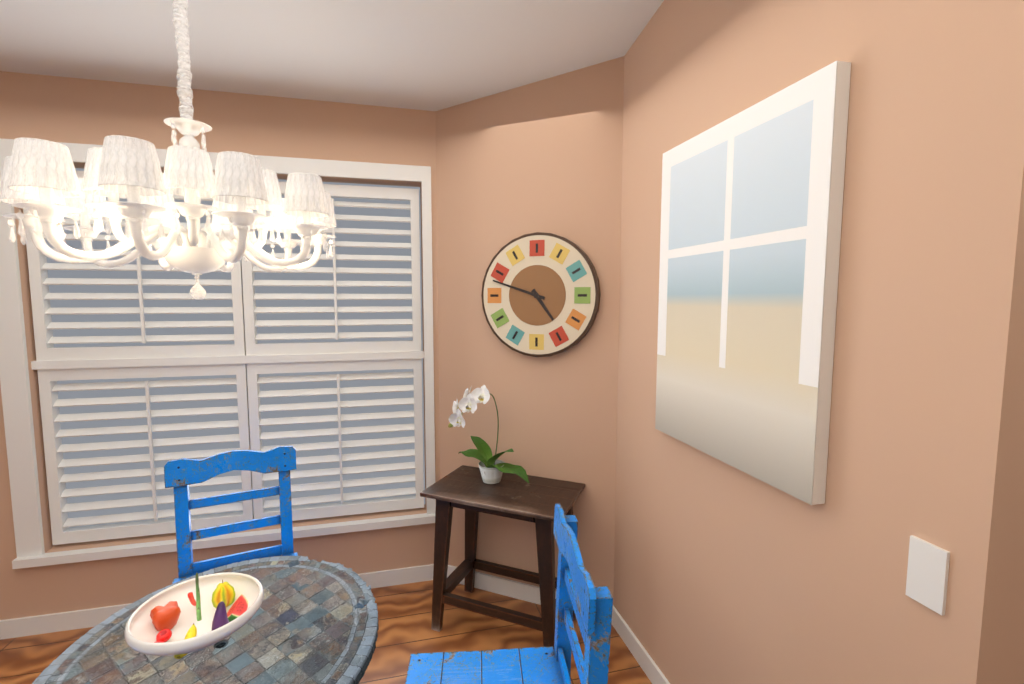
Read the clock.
4:48
